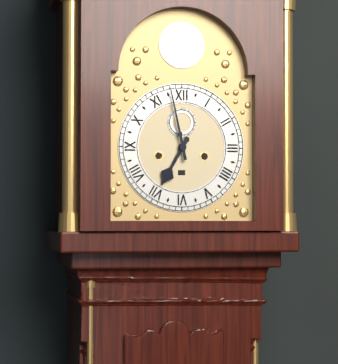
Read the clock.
6:58
